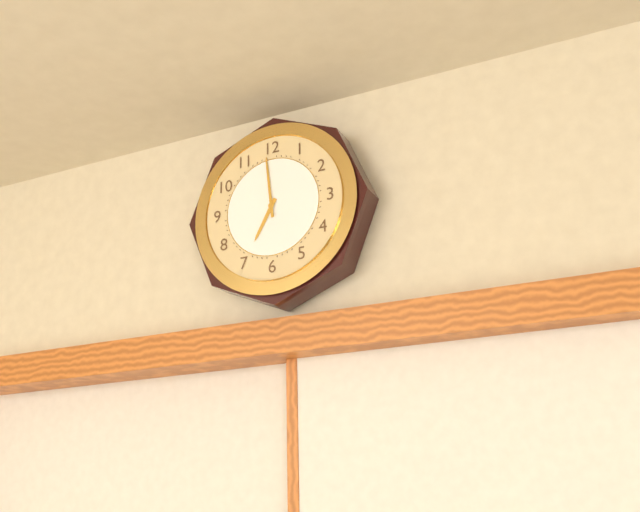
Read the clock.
6:59
